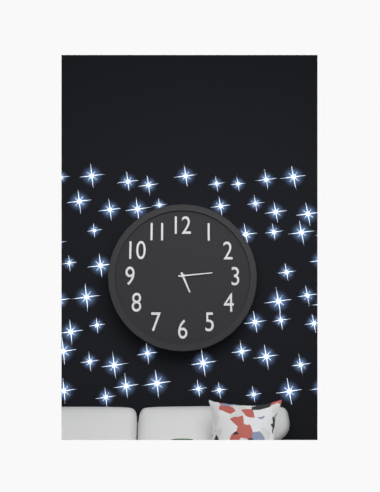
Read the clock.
5:14
